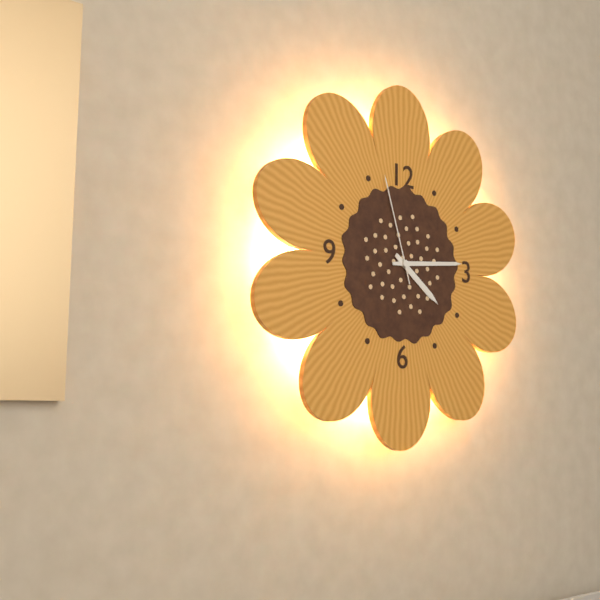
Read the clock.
4:14:57
